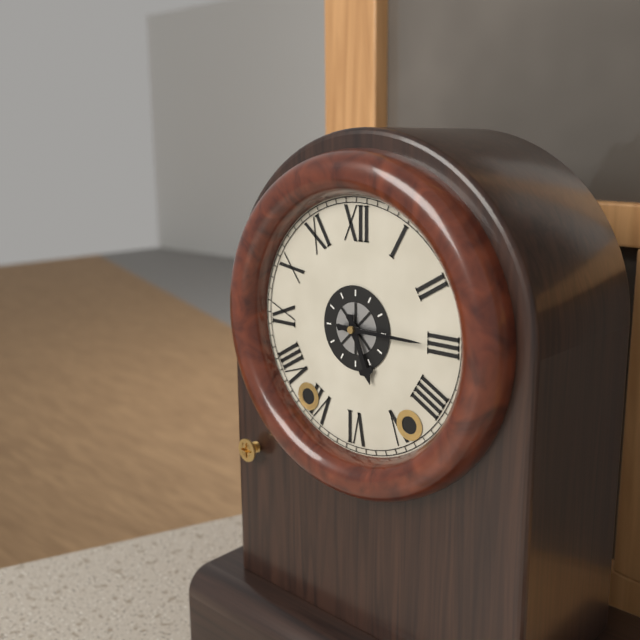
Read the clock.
5:15
